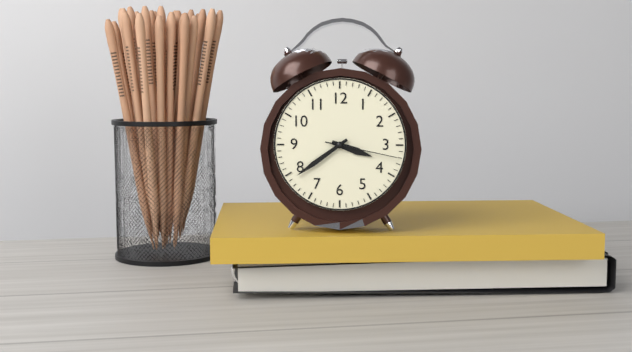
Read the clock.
3:39:17
